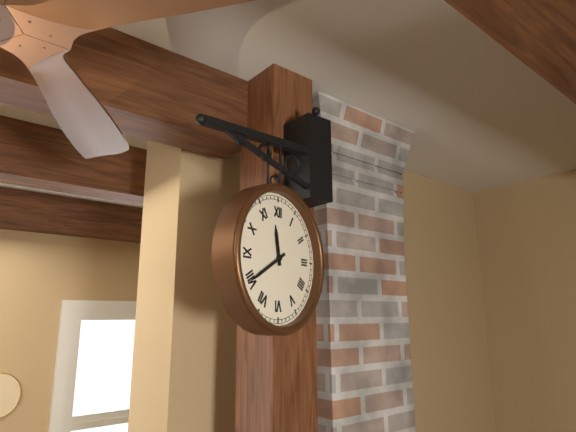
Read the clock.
11:40
